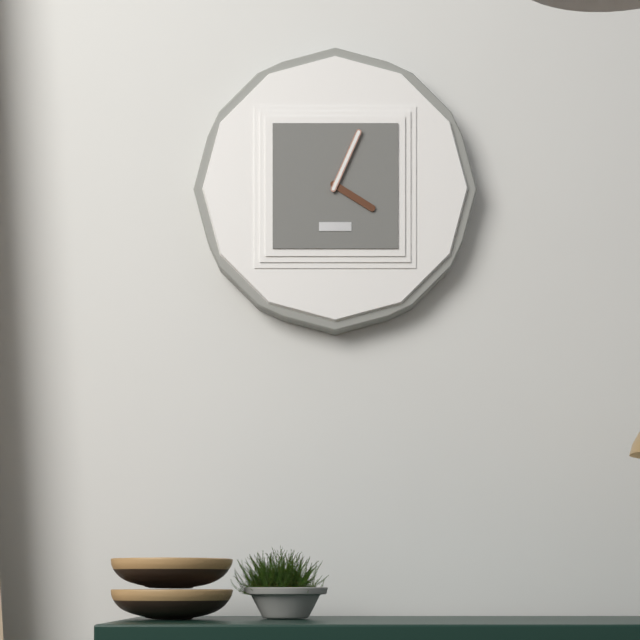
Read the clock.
4:04
